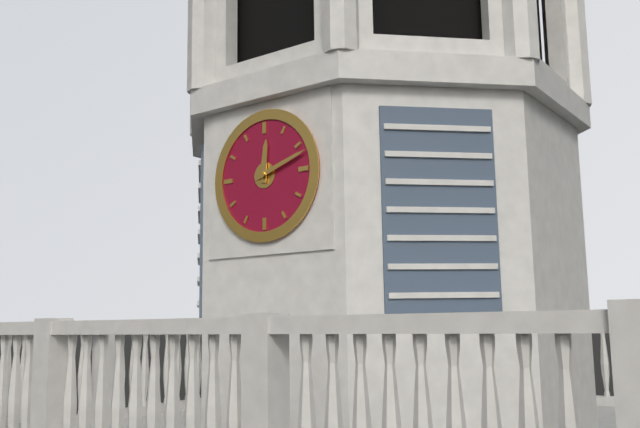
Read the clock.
12:12
